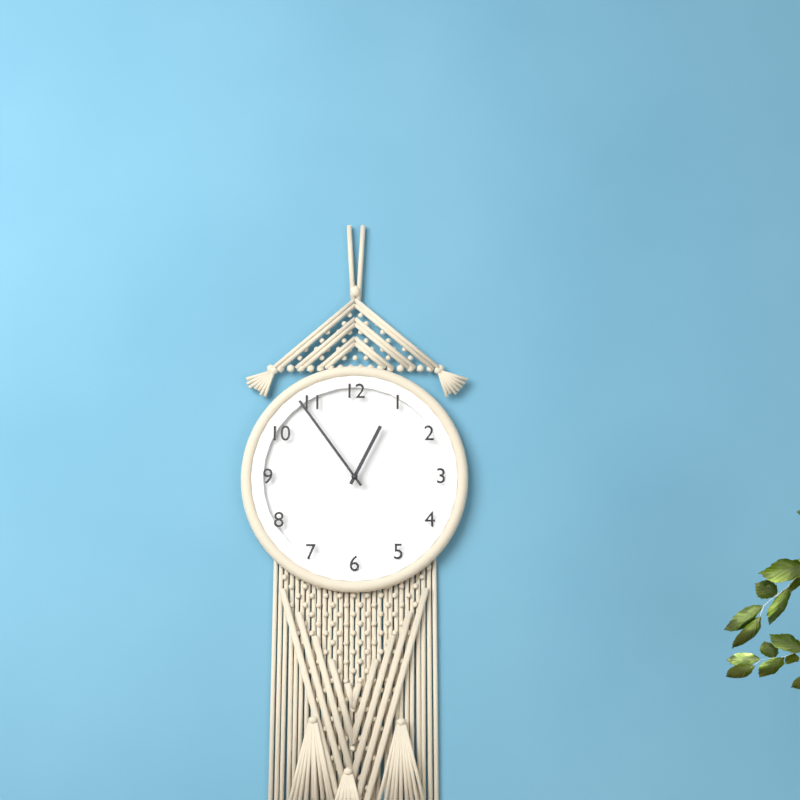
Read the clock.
12:54
